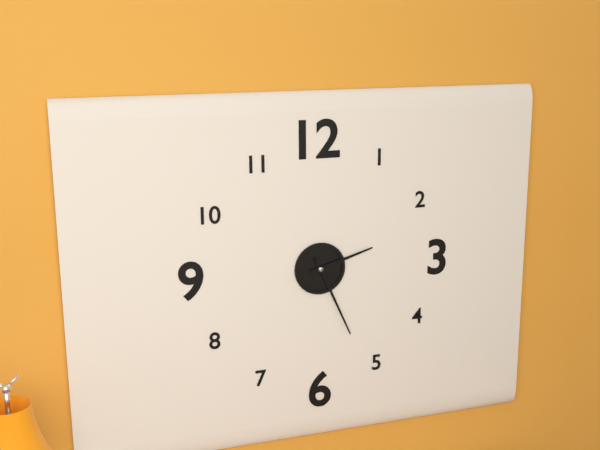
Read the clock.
2:26
